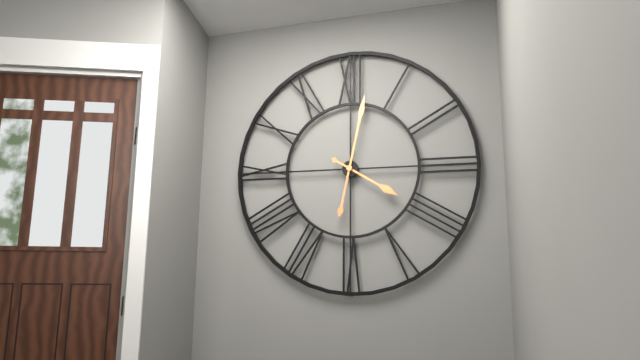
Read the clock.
4:02
